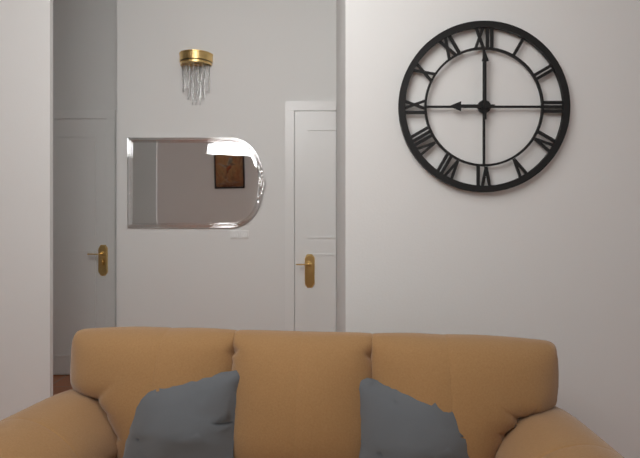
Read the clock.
9:00
